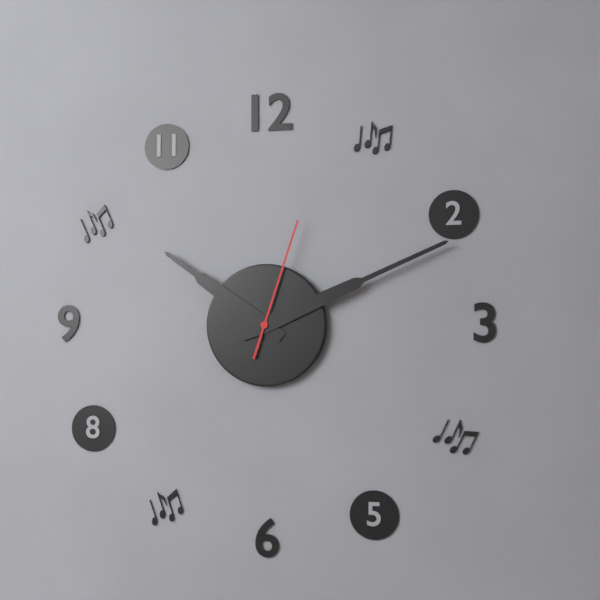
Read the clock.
10:11:03
